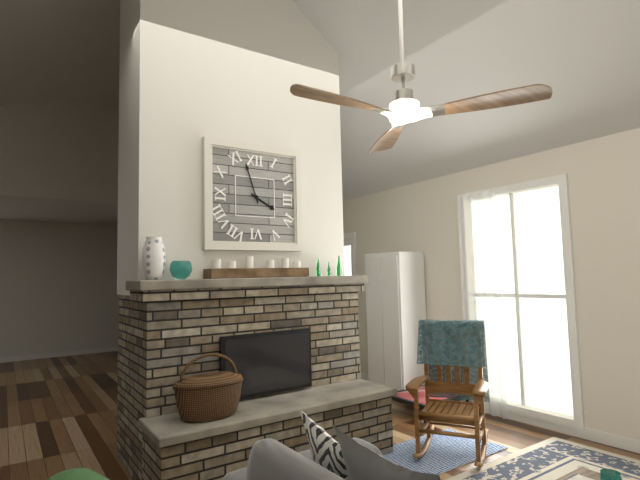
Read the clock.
3:57
